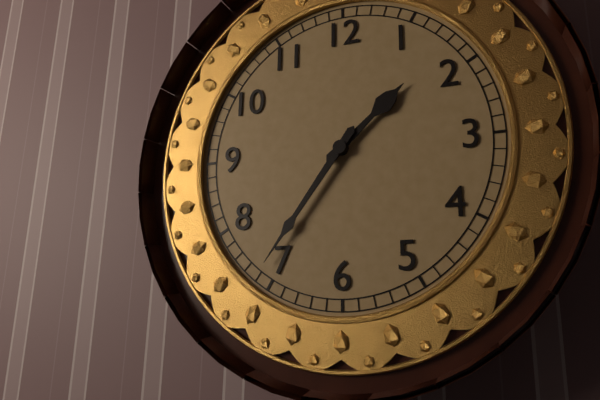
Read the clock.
1:36
